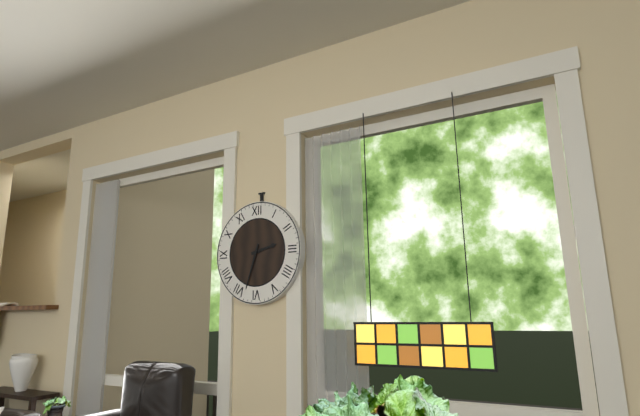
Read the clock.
2:33
